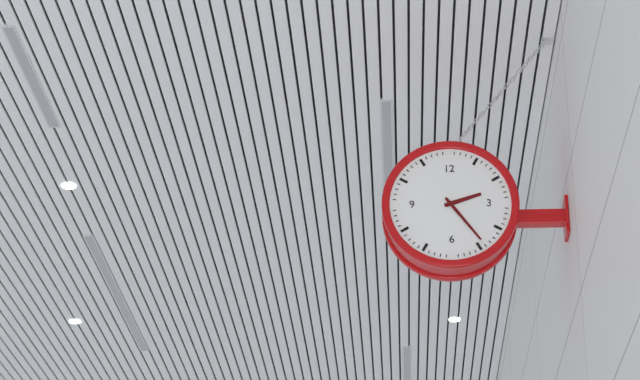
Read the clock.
2:24
